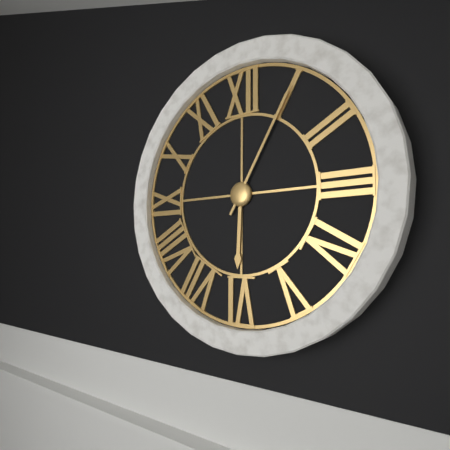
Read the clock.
6:05
